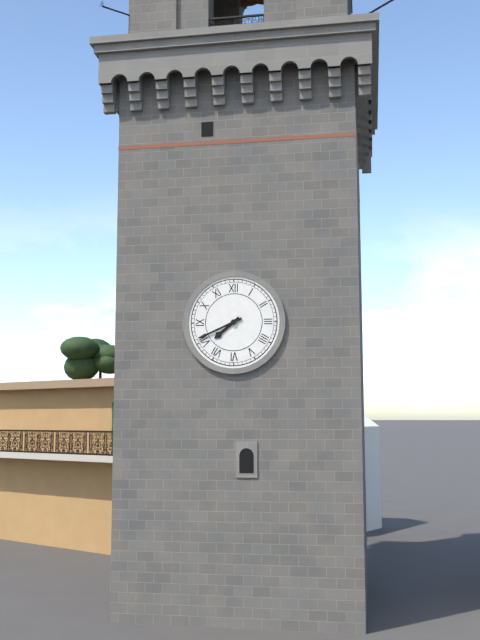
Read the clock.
7:41
